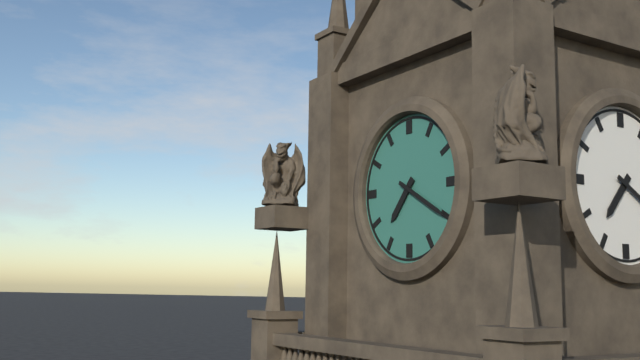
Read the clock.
7:20
